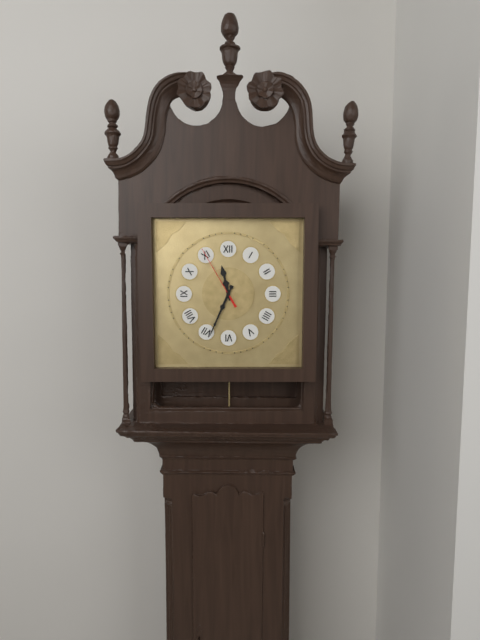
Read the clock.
11:34:55
